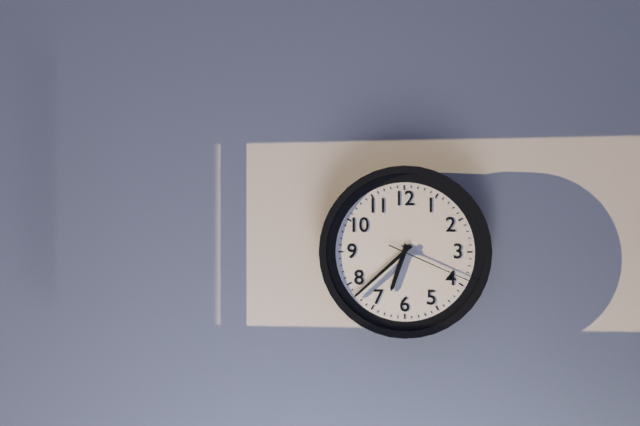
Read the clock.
6:38:19
